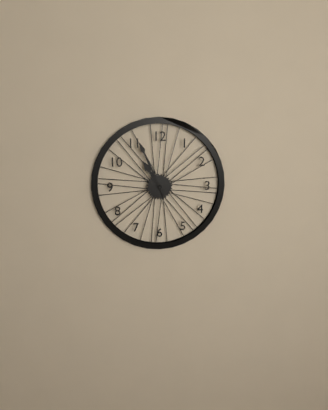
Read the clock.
10:56
